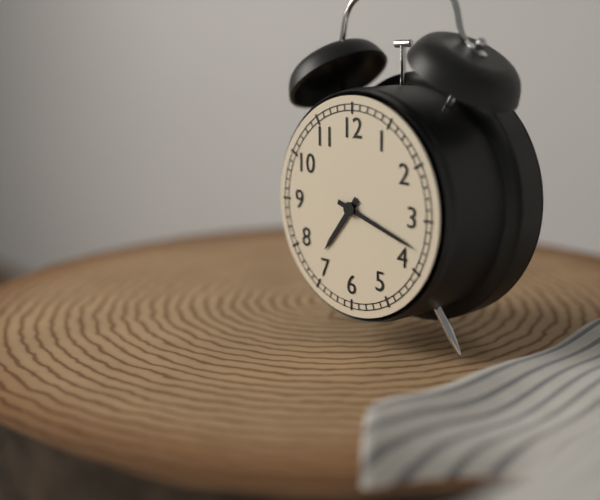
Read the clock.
7:18
